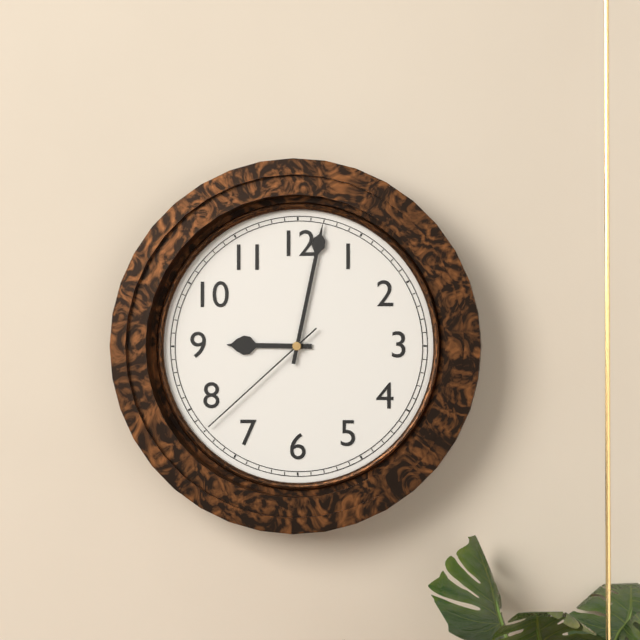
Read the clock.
9:02:38
